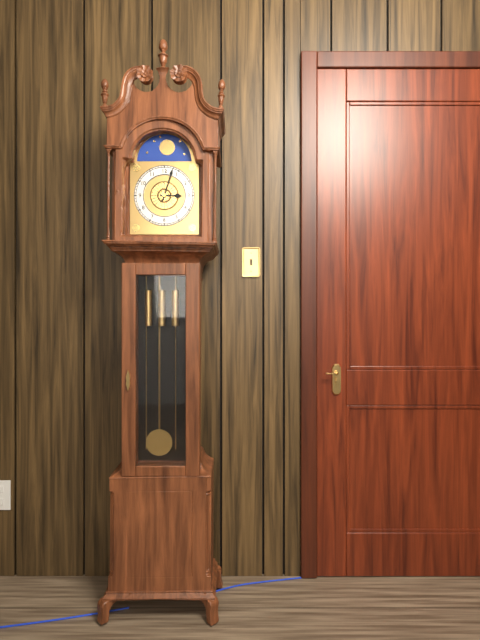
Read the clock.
3:03
